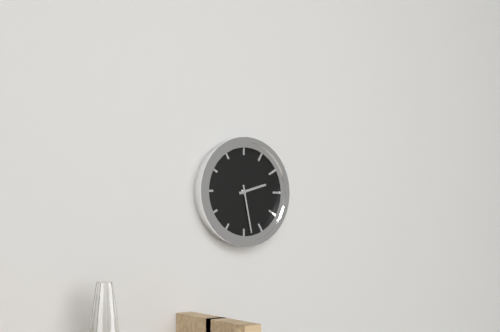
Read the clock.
2:28
